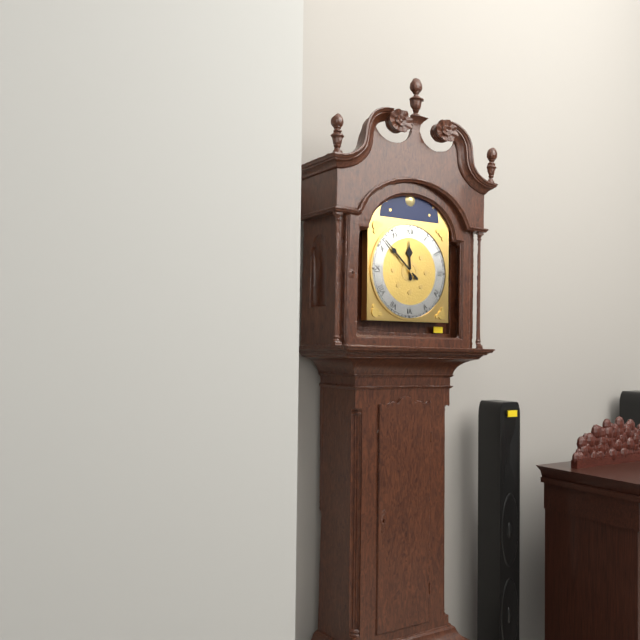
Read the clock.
11:52
